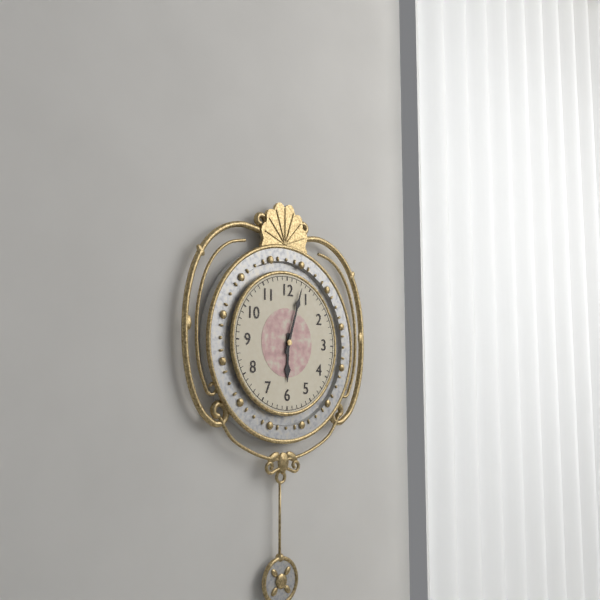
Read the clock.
6:03
